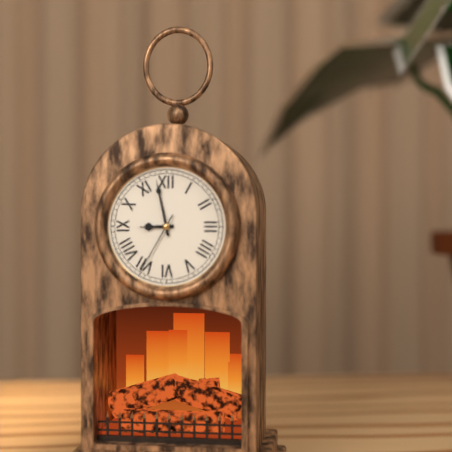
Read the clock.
8:58:35
